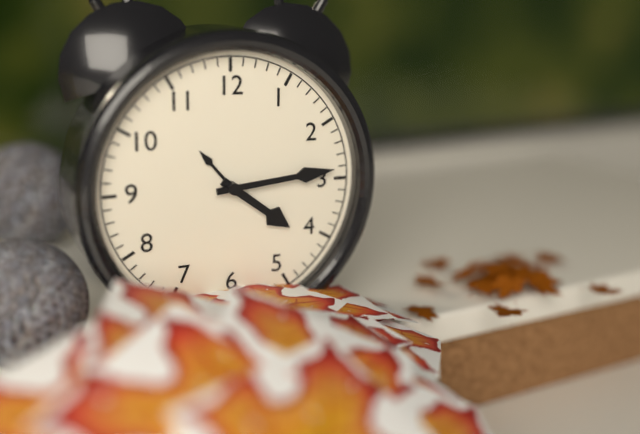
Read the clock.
4:14
